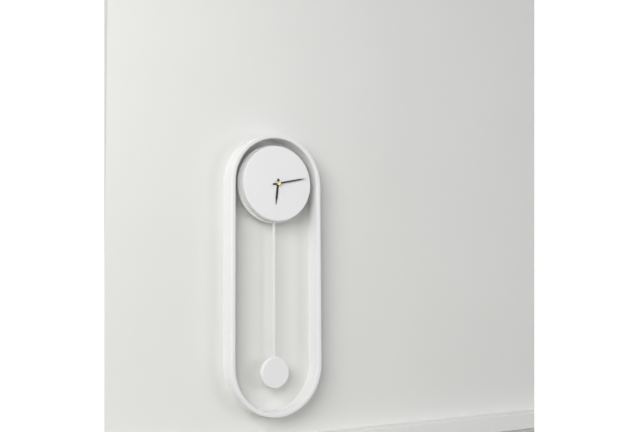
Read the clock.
6:13
